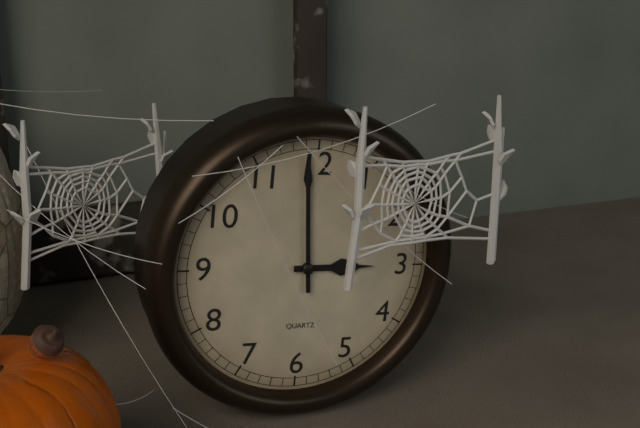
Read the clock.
2:59
